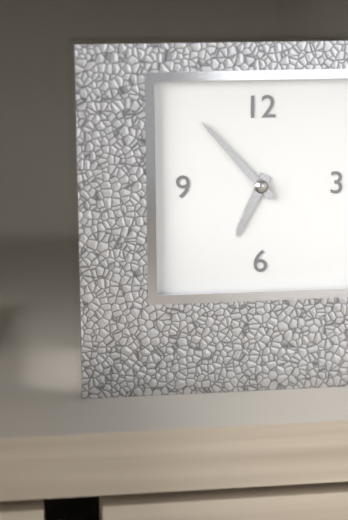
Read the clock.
6:53
